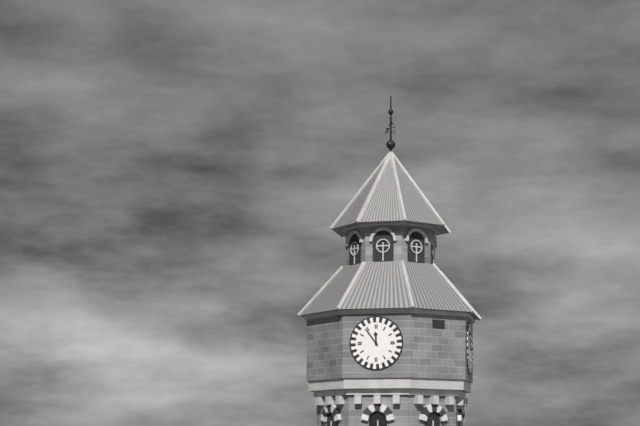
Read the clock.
11:54
